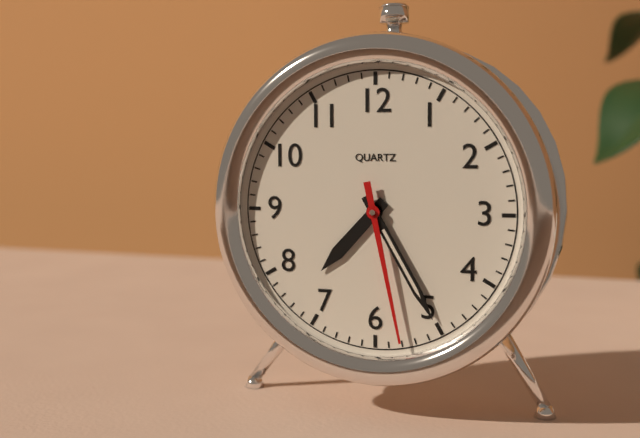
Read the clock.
7:25:28
